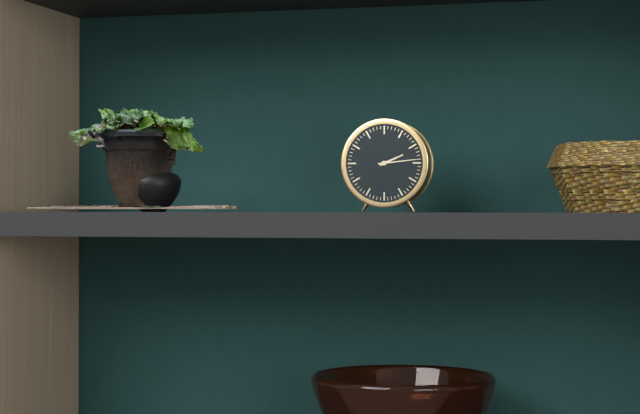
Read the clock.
2:14
